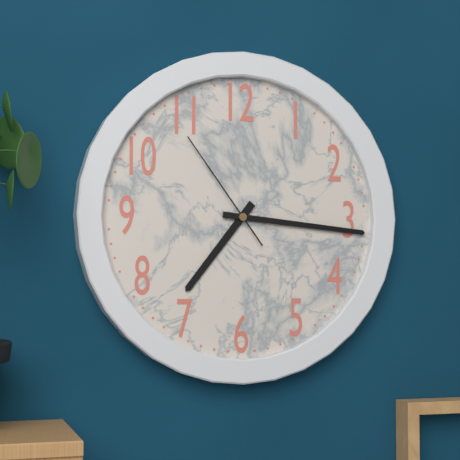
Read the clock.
7:16:54
